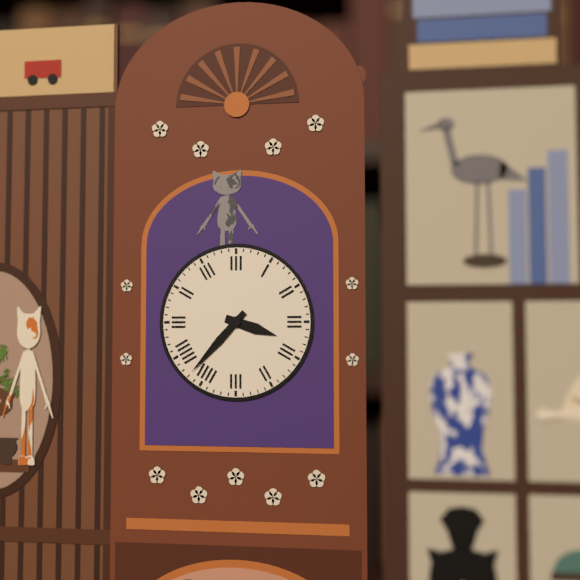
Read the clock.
3:37
